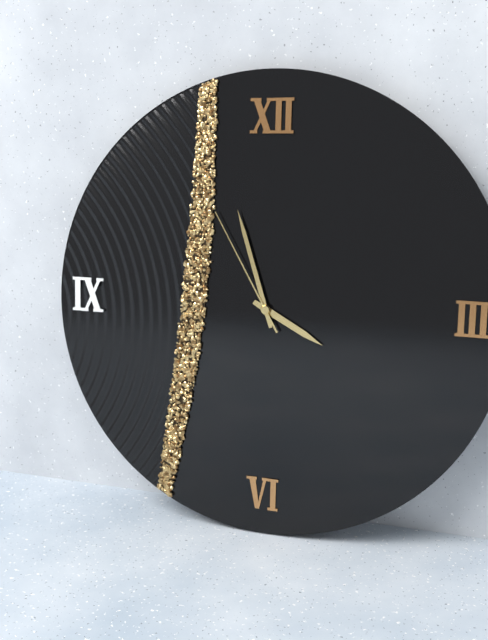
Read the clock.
3:57:55
